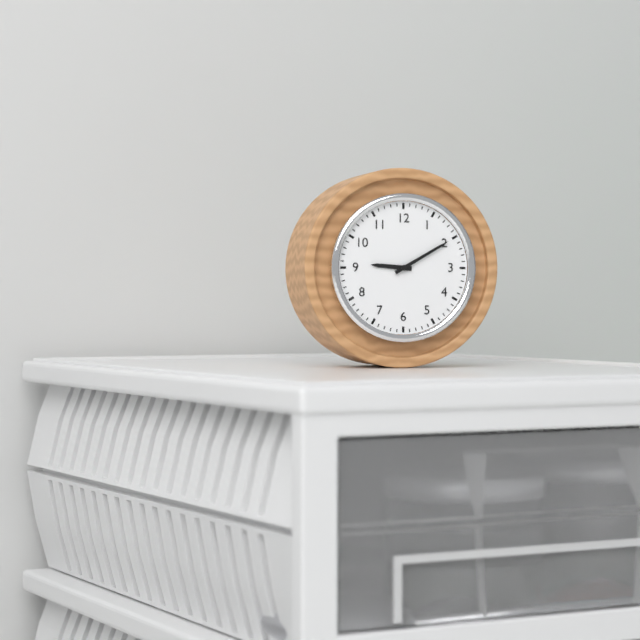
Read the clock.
9:10
